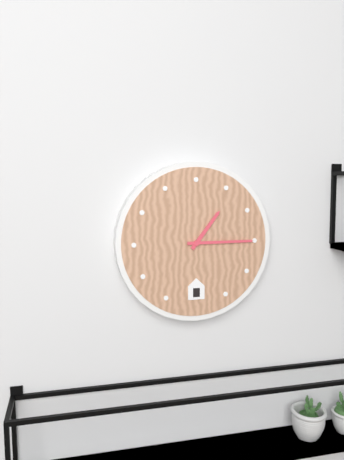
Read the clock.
1:15
